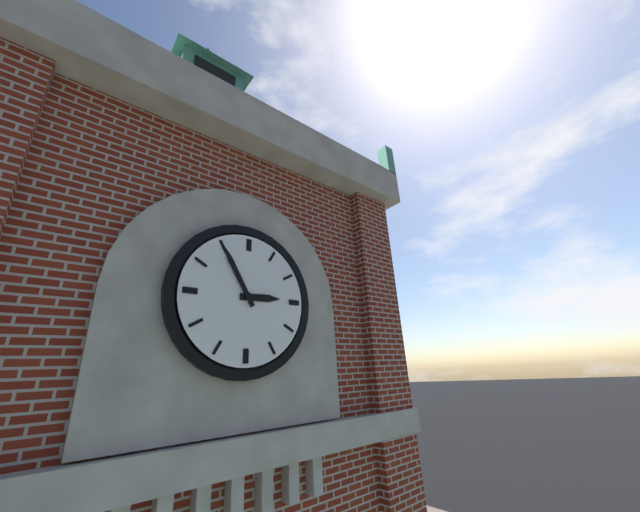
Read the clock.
2:55
